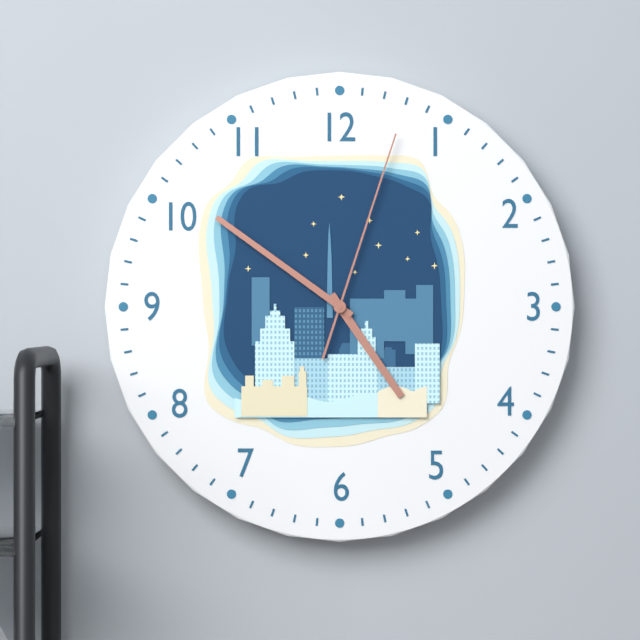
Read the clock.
4:51:03
